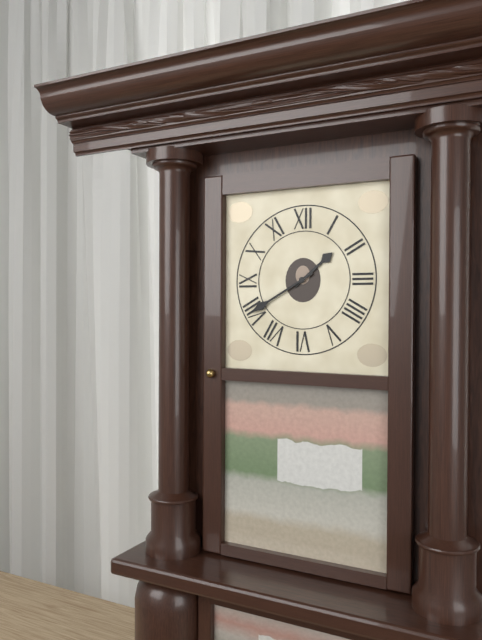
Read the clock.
1:40
